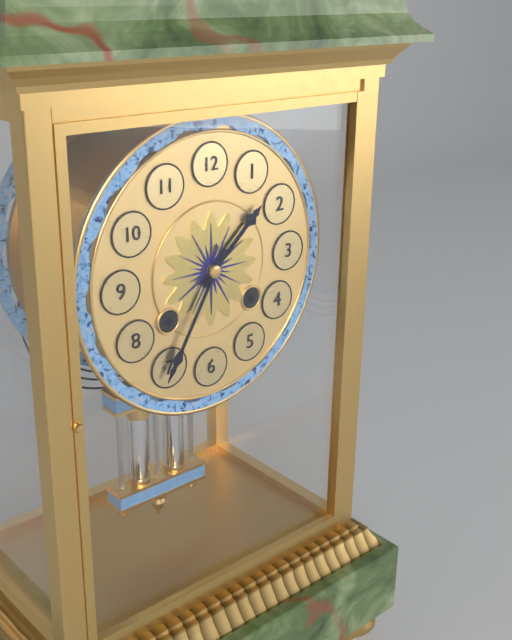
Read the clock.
1:35
